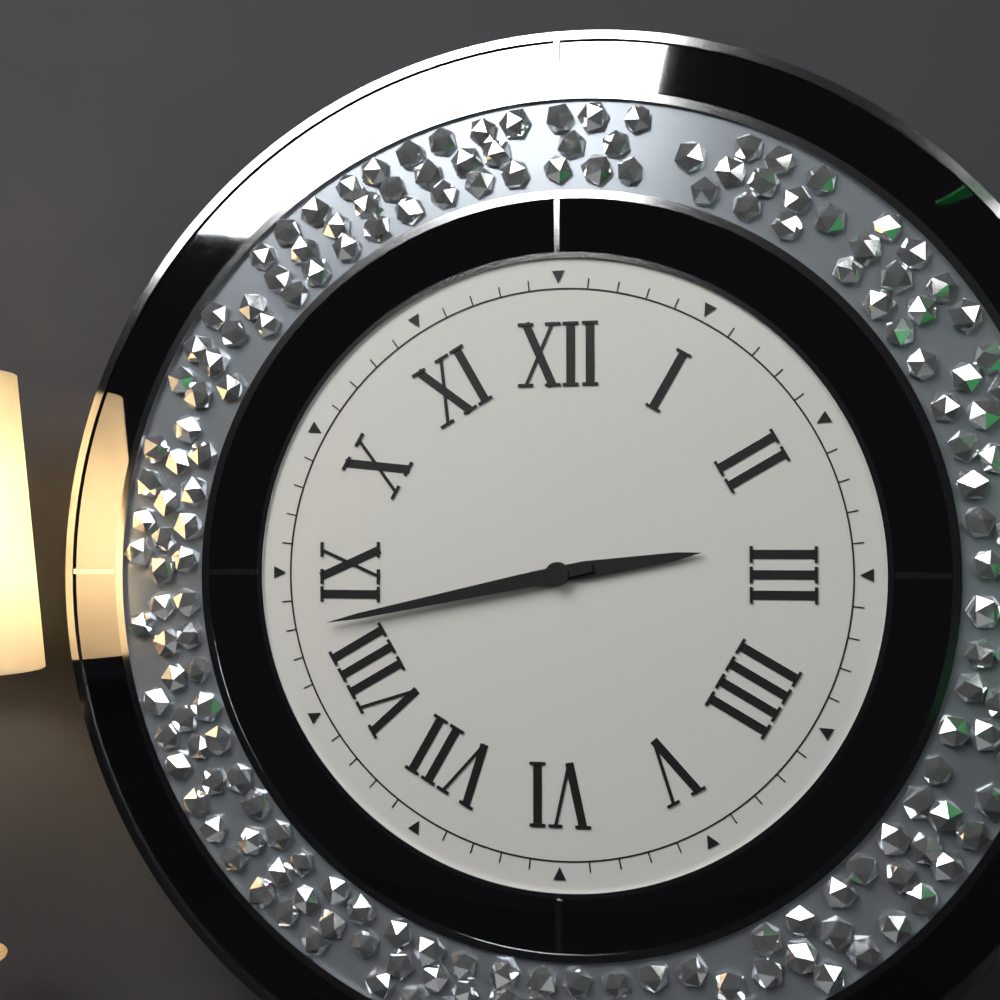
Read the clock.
2:43
